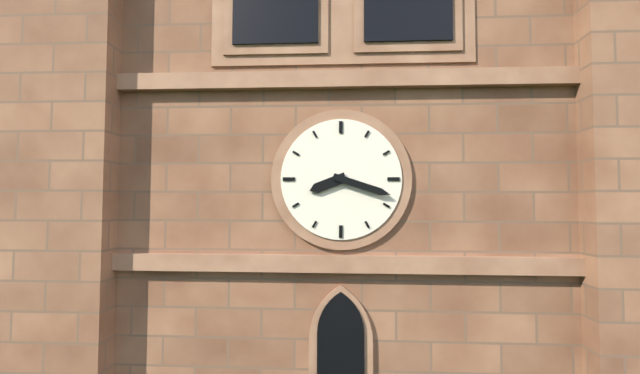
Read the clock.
8:18
